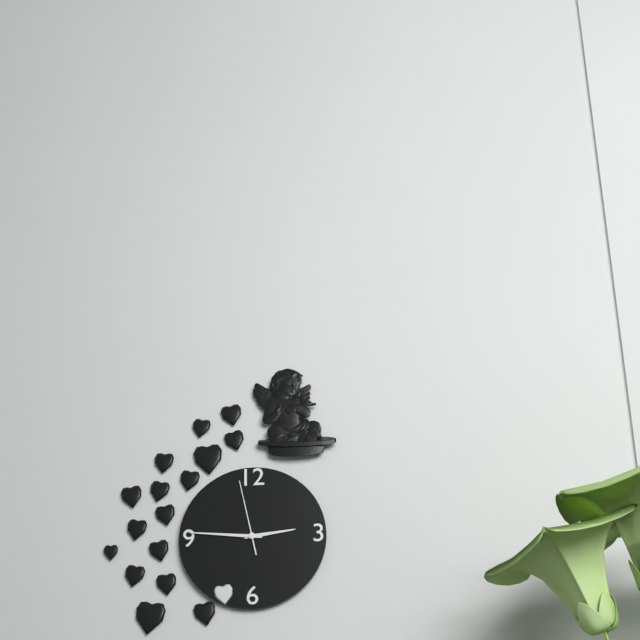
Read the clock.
2:46:58
